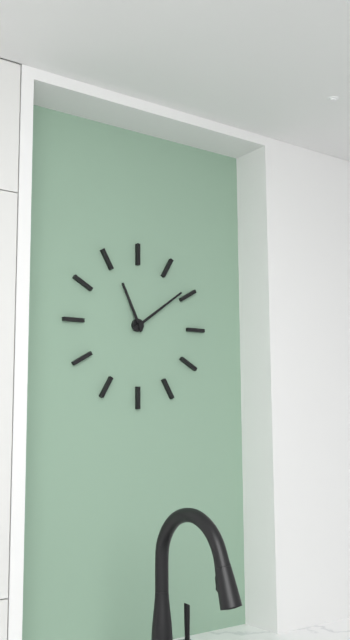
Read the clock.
11:09
